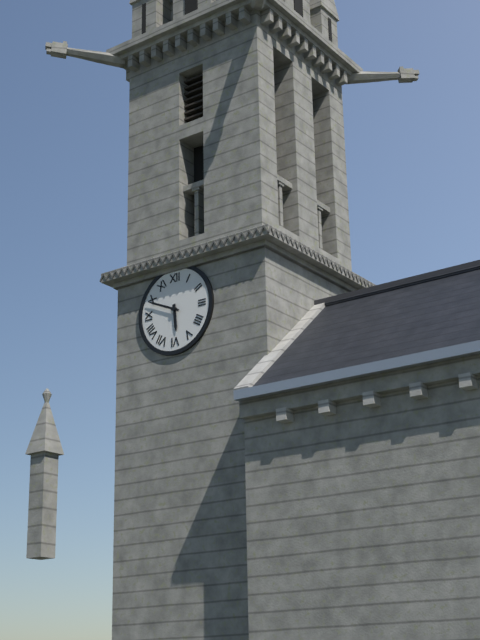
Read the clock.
5:49
